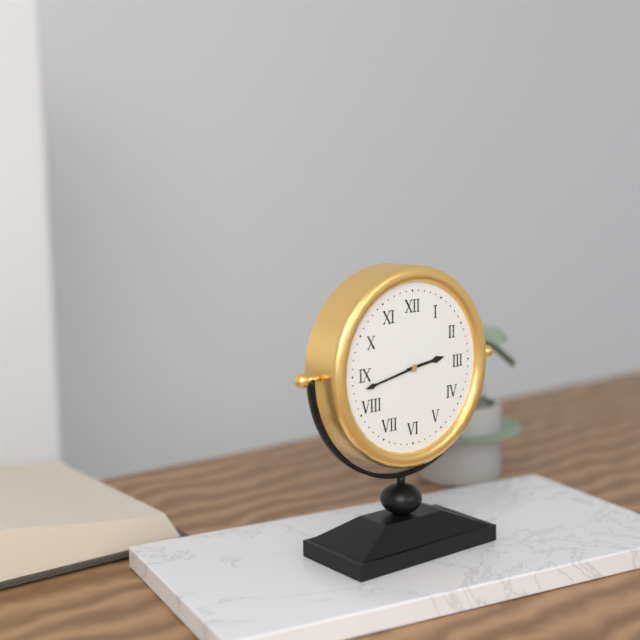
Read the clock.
2:43
